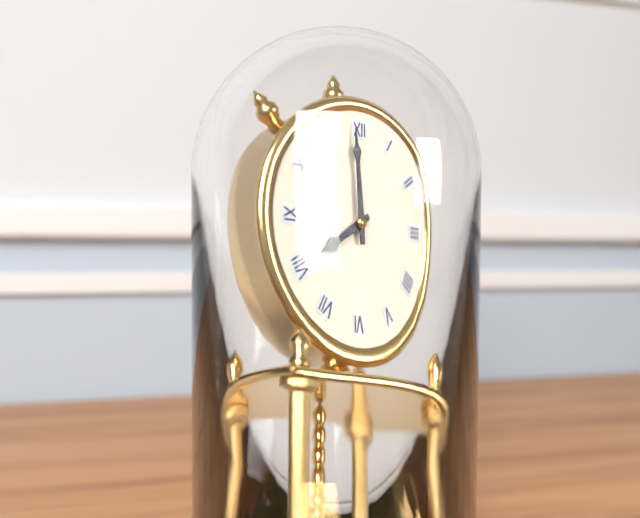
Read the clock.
7:59
